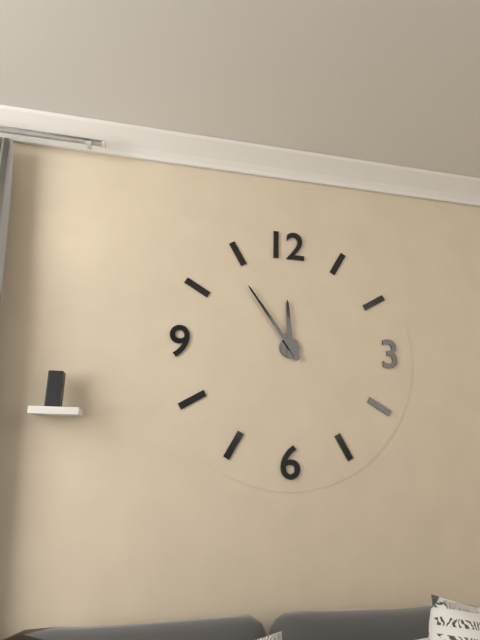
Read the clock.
11:54
